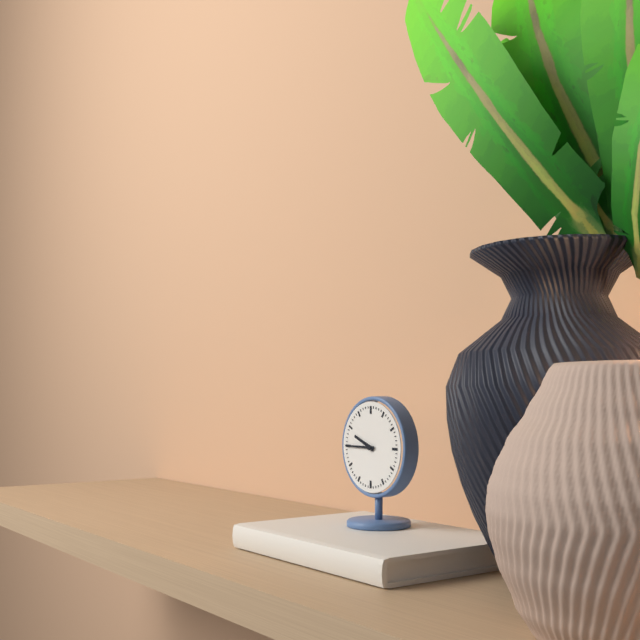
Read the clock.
9:45
